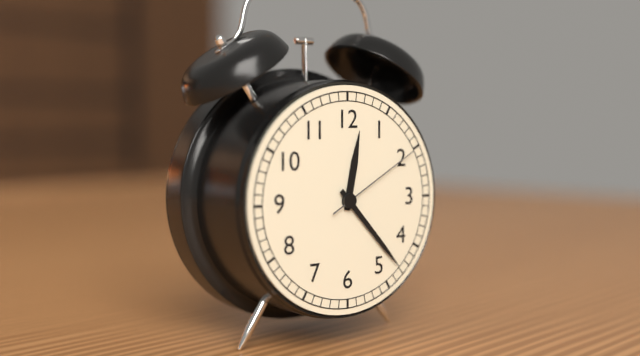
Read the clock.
12:23:10
